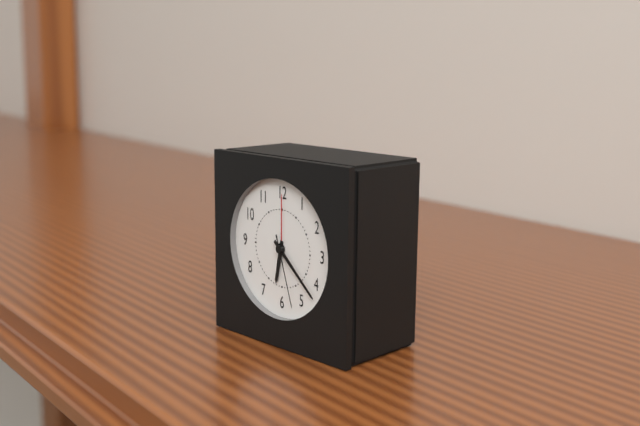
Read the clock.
6:22:27
